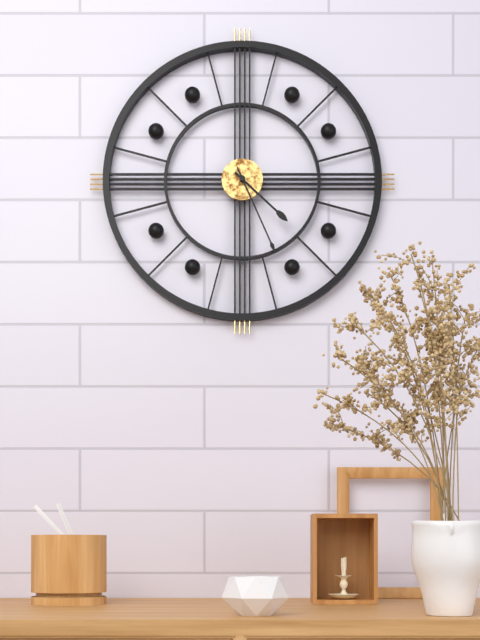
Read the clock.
4:26
